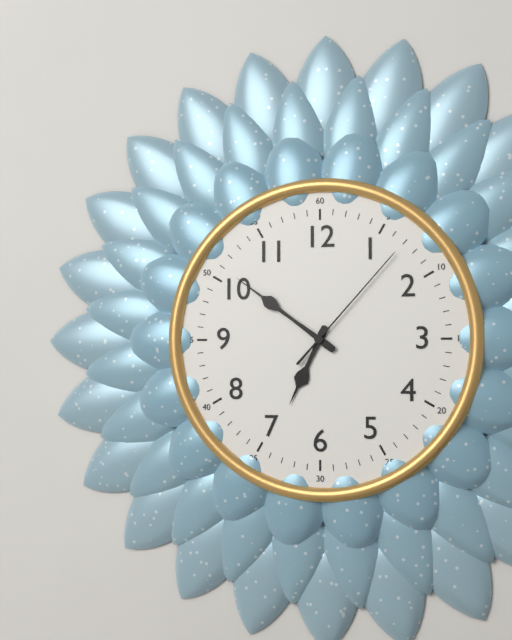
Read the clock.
6:51:07
